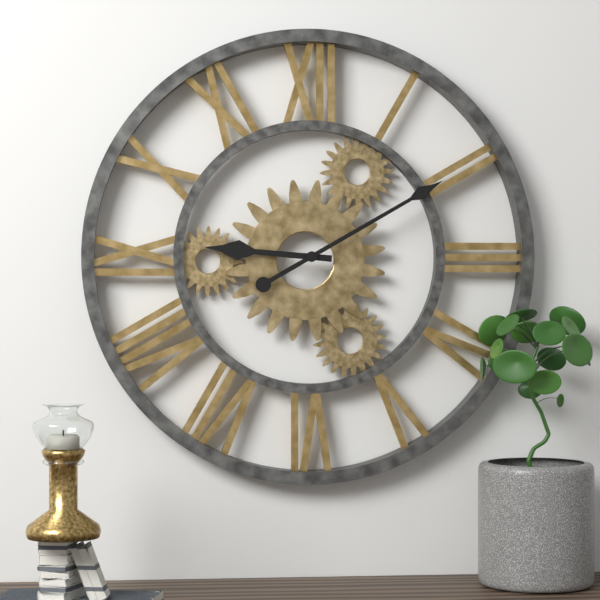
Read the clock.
9:10
